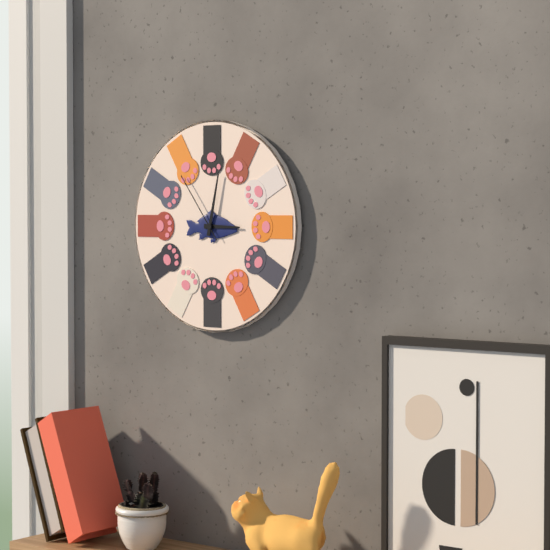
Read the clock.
3:02:54
